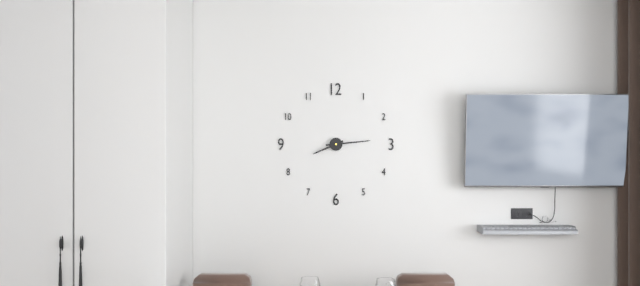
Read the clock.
8:14
